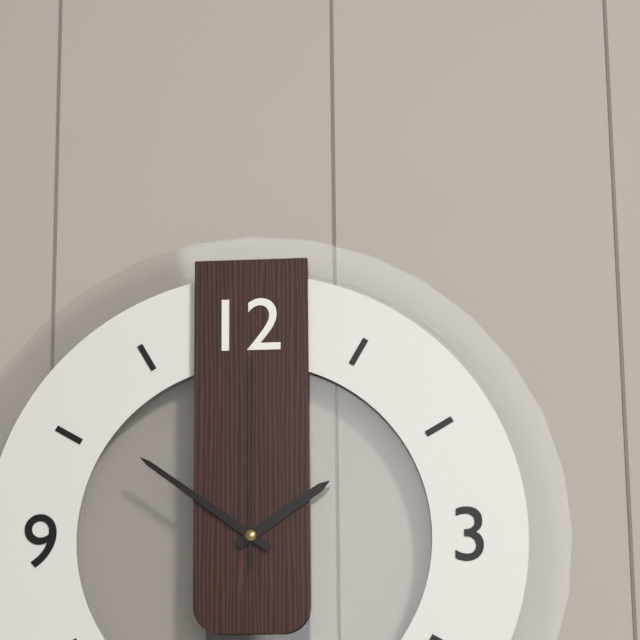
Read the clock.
1:51:00
